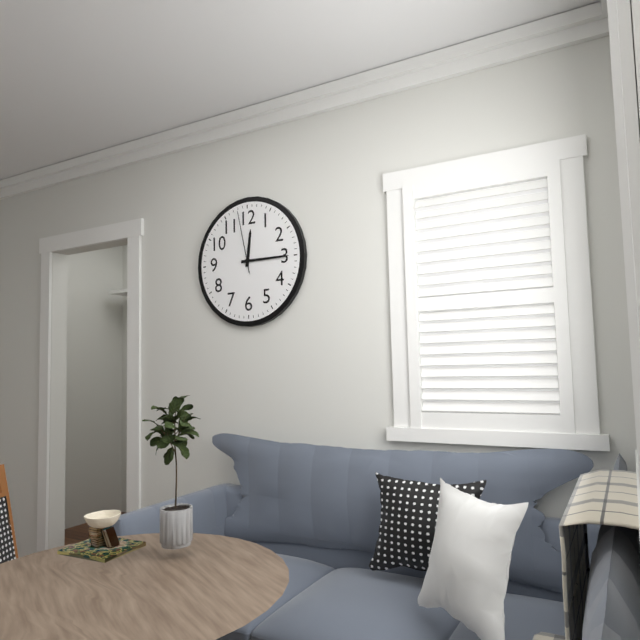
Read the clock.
12:15:58
